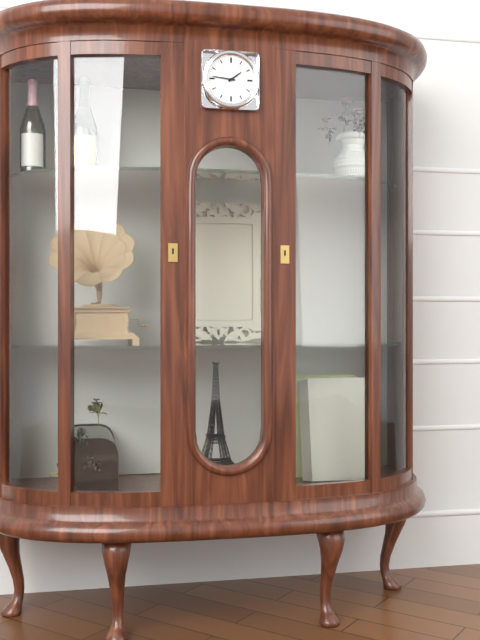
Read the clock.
1:46
